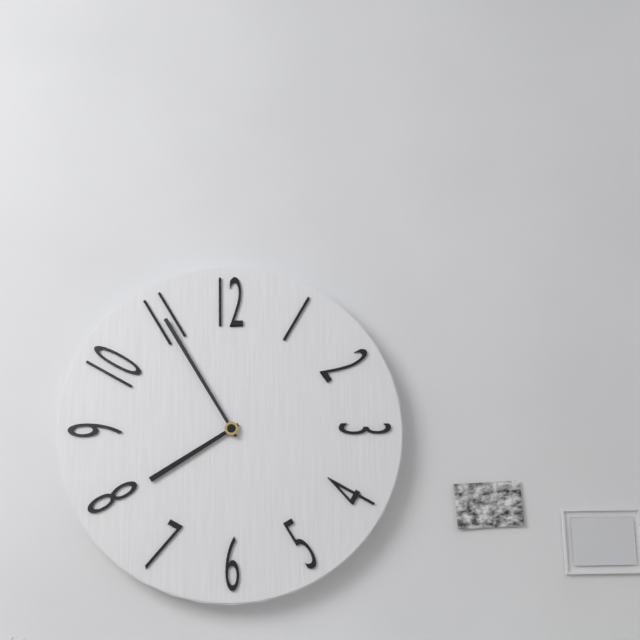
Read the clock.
7:55
